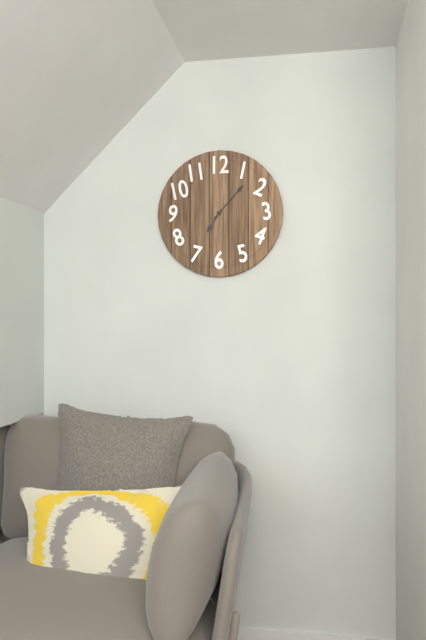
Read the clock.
7:07
